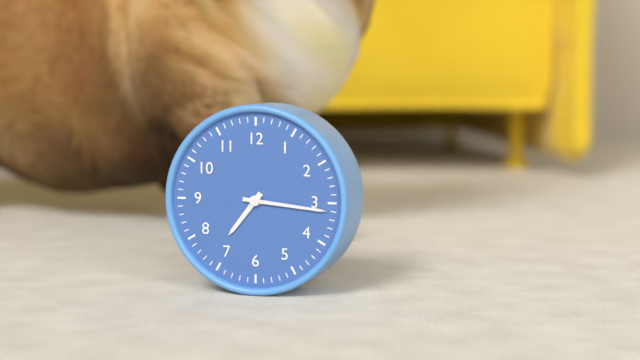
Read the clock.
7:16
